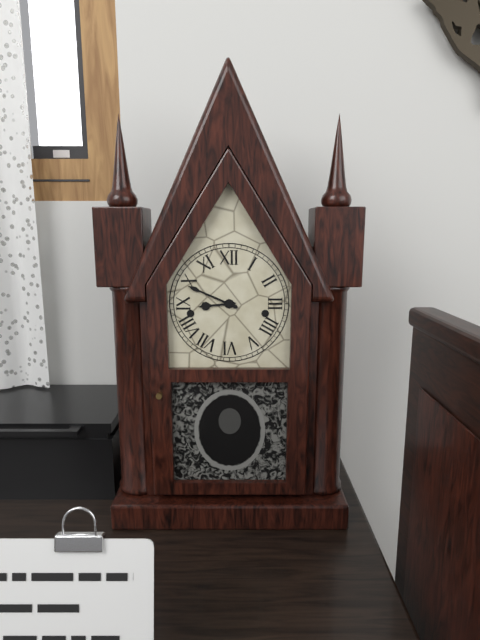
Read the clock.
8:49
